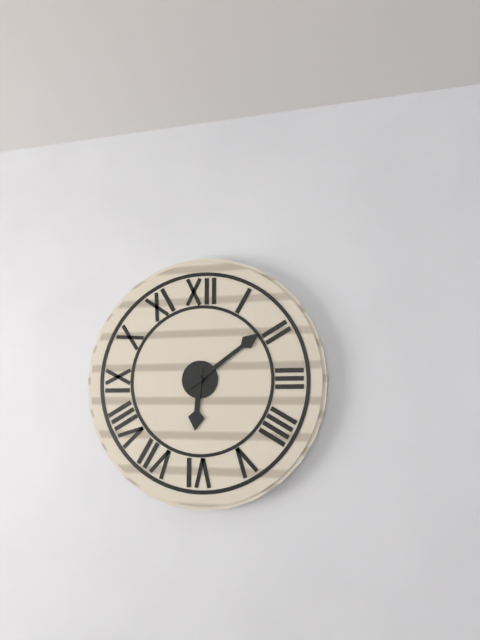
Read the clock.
6:09
